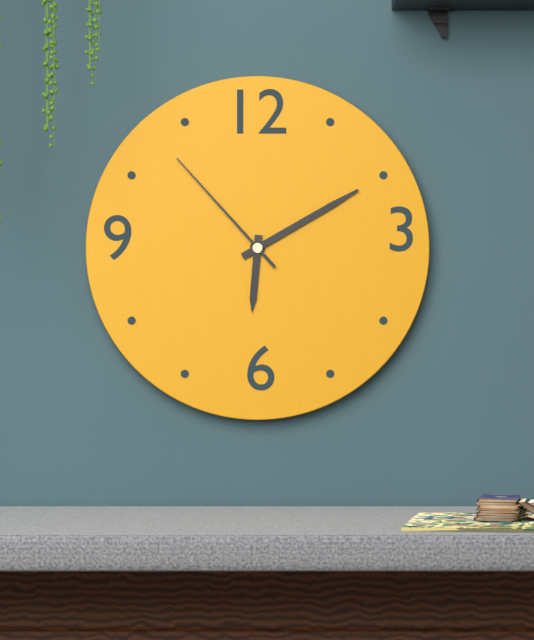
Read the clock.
6:10:53
